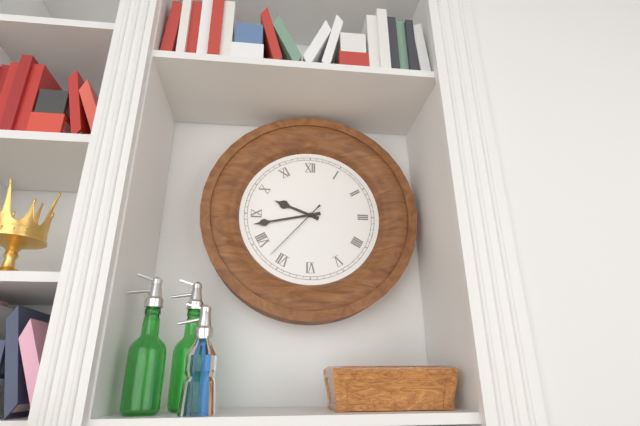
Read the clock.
9:43:37
